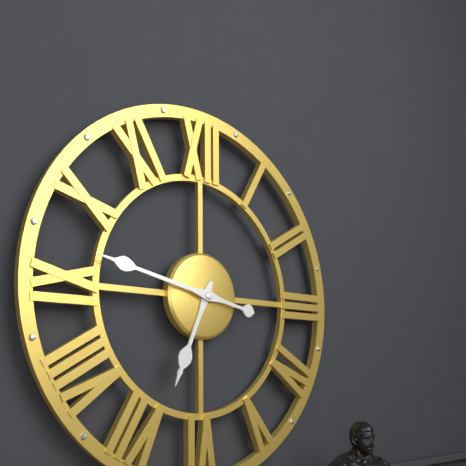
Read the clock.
6:47
